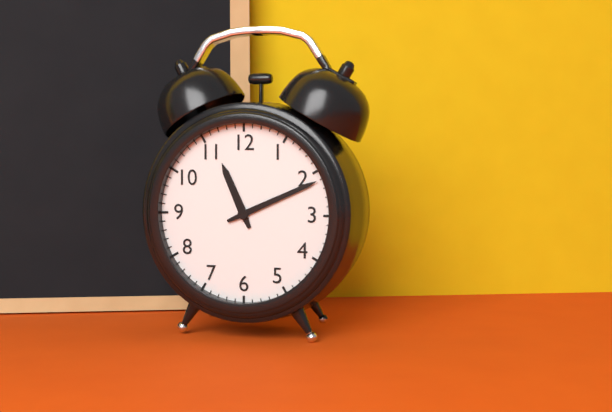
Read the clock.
11:11
